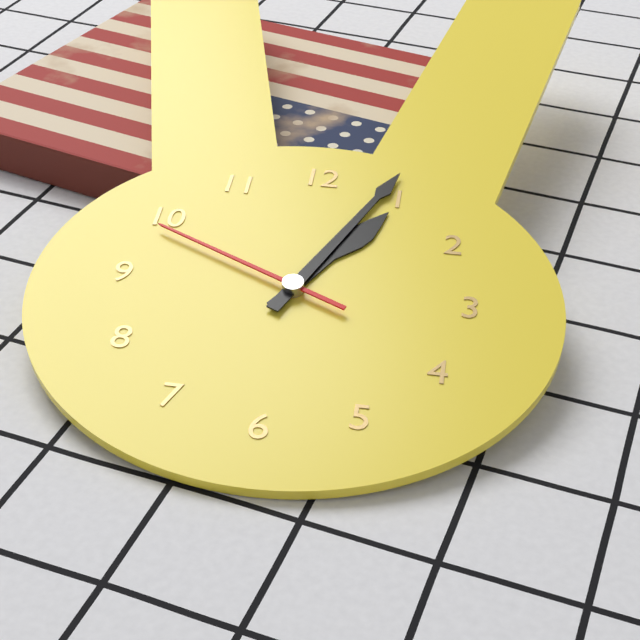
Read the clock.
1:04:49
